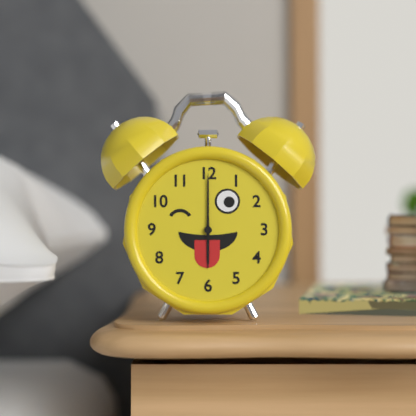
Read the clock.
6:00
